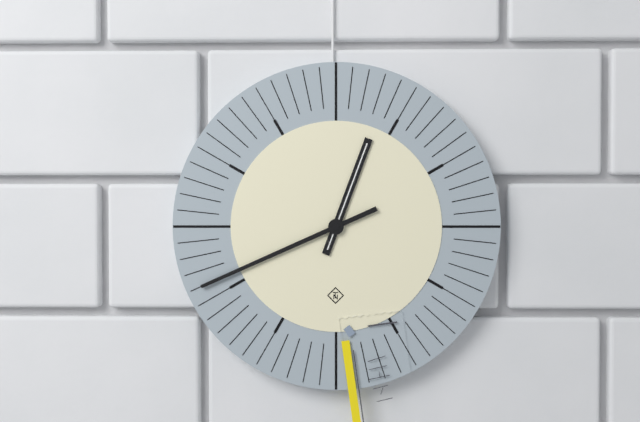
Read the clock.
12:41
